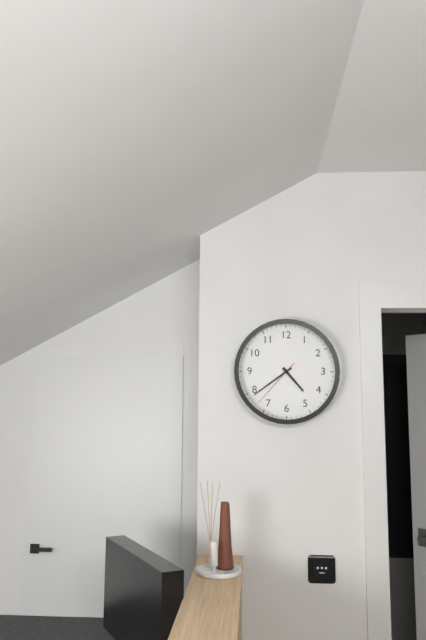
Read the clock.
4:39:37
